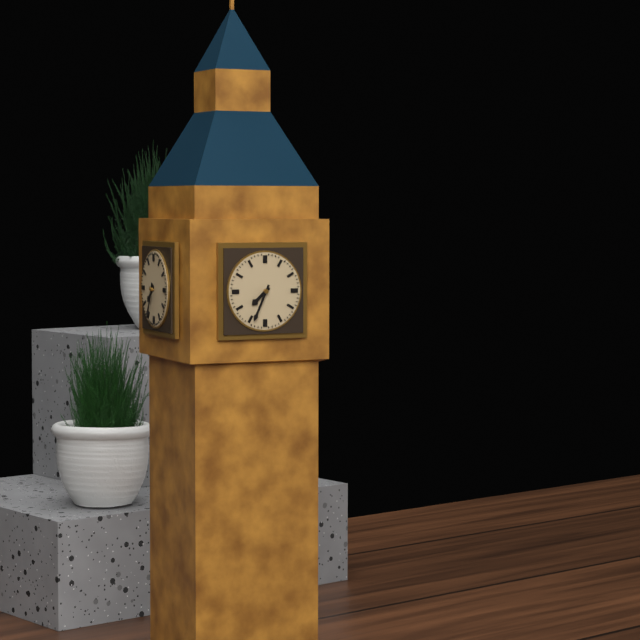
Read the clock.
7:34
